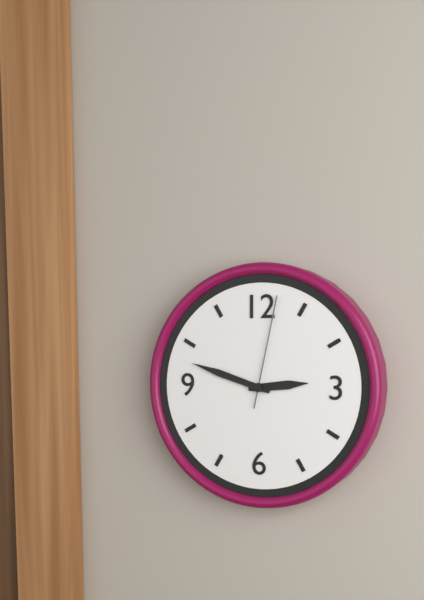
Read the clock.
2:48:02
